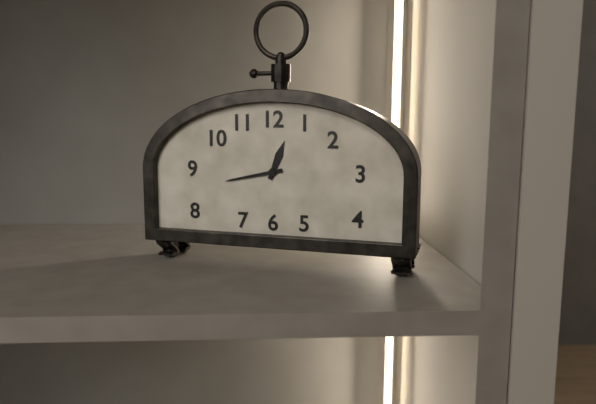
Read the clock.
12:43
